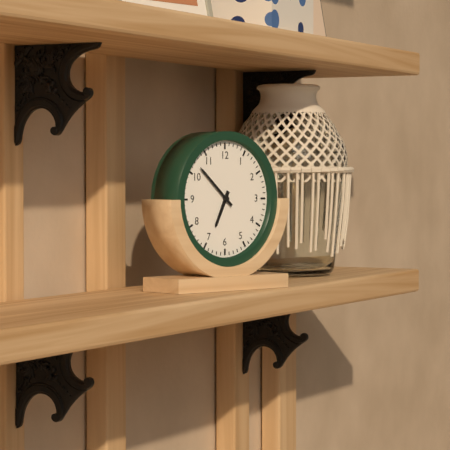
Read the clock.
6:52
